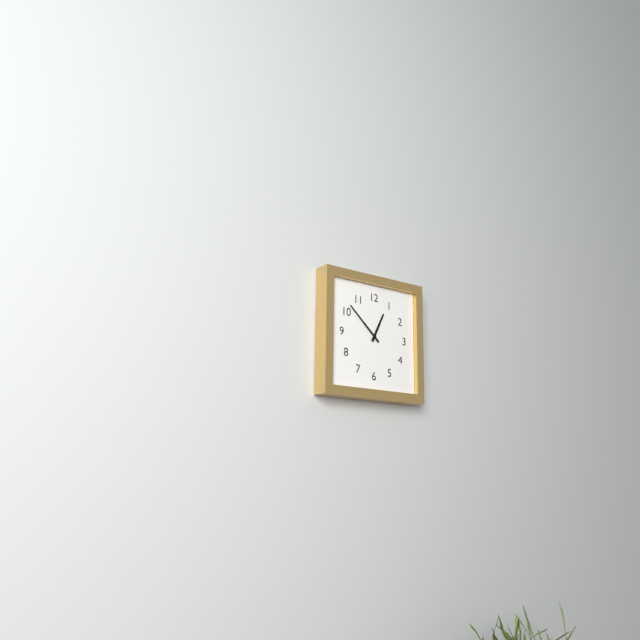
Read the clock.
12:52
